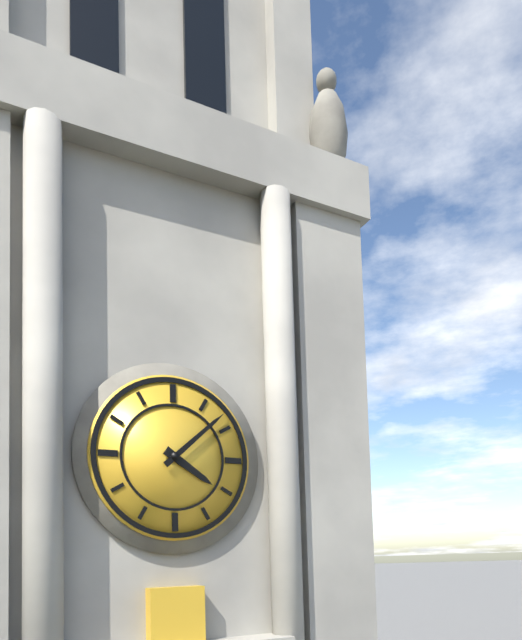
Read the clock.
4:08
